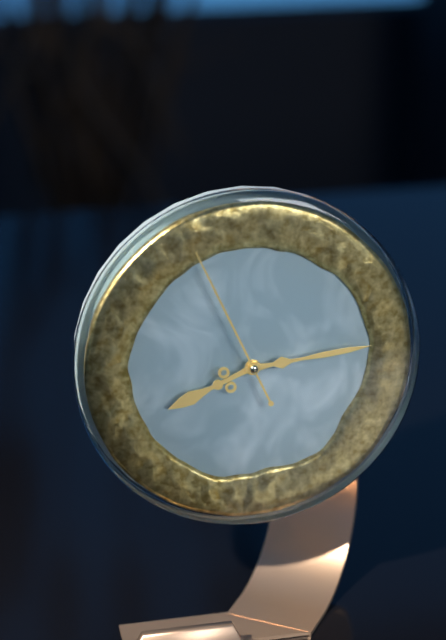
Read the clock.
8:14:56
